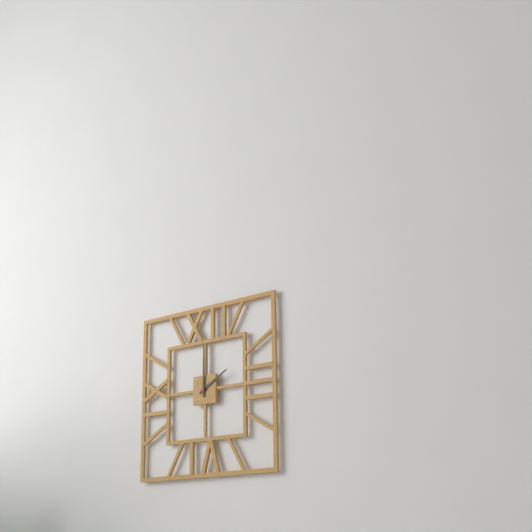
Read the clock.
2:00
